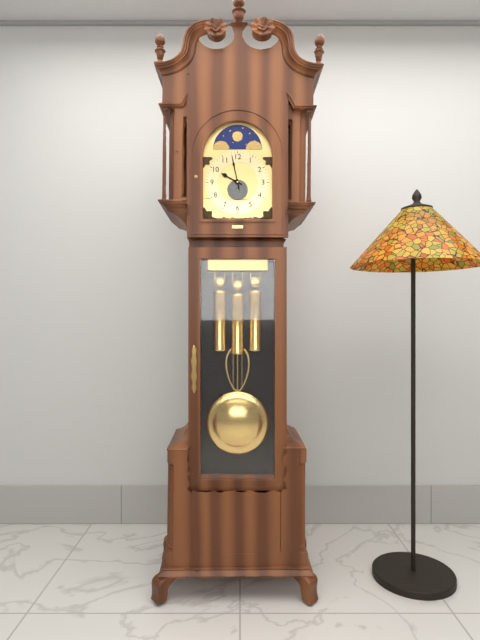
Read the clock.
9:58
